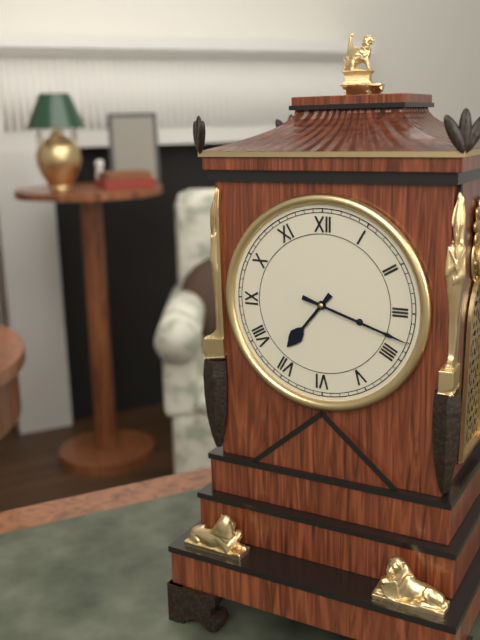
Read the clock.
7:18
